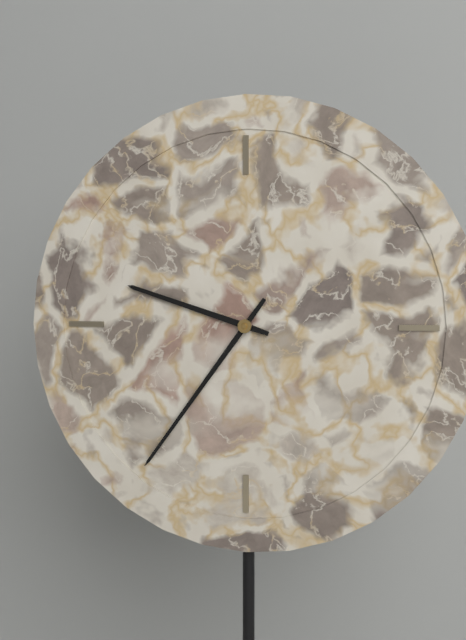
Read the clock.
9:36
